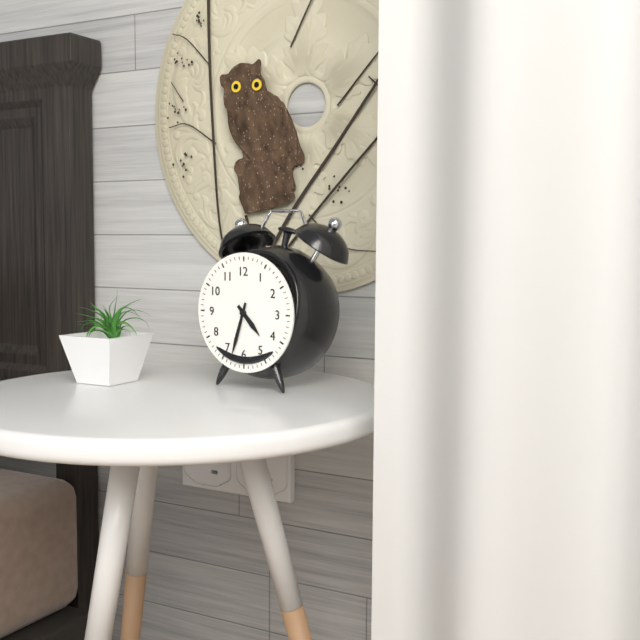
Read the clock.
4:33
